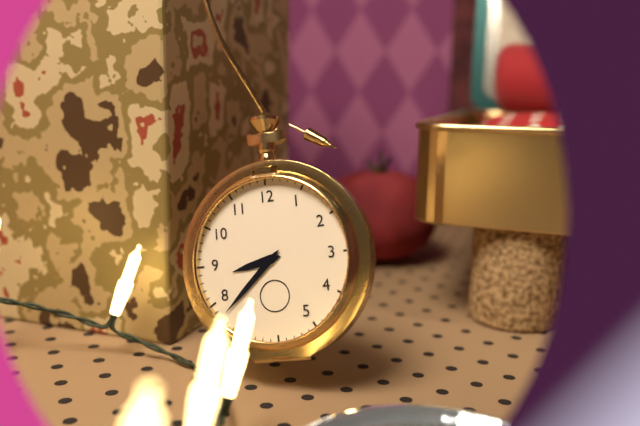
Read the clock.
8:38
